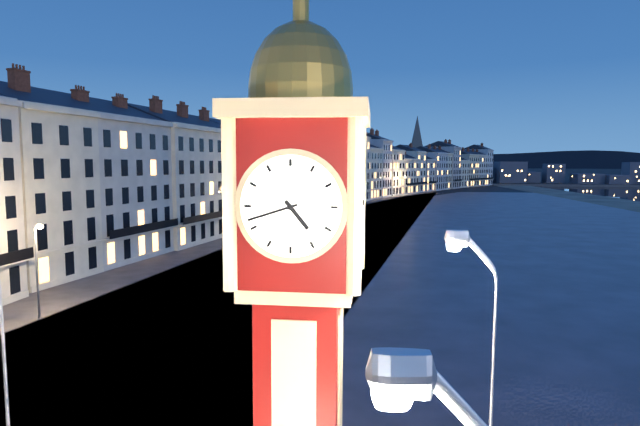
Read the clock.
4:42
